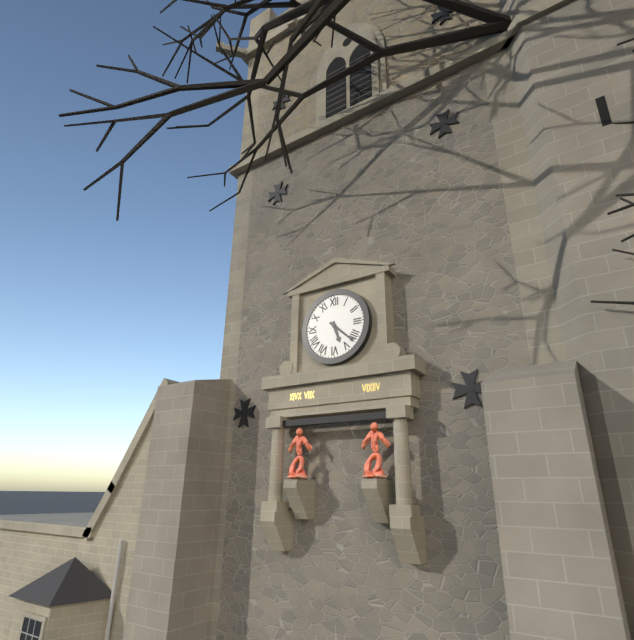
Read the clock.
5:22
